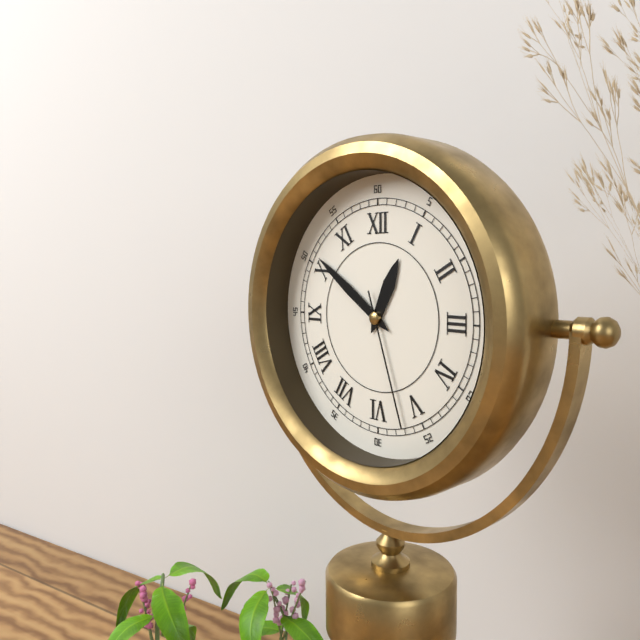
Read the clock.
12:51:27
